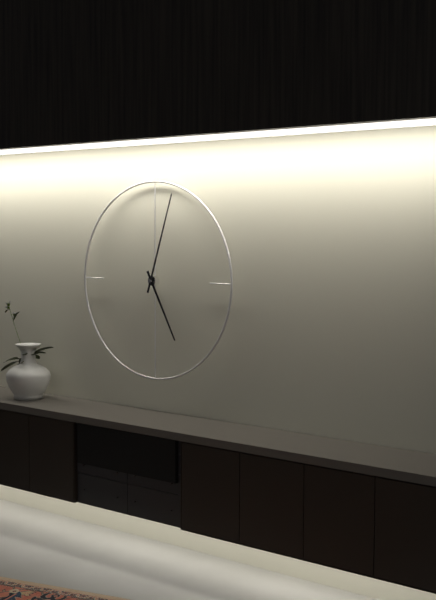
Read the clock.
5:03
